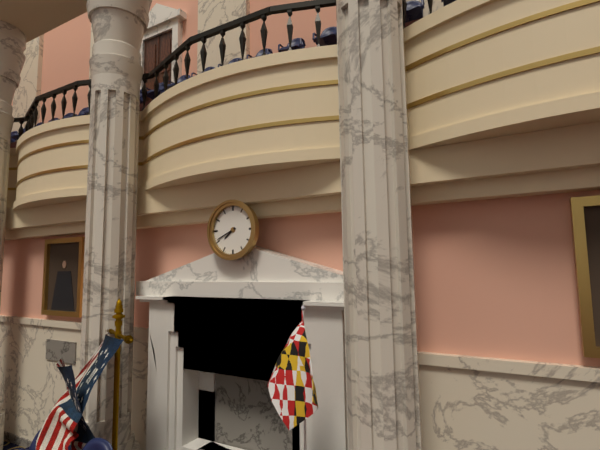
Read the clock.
7:41
